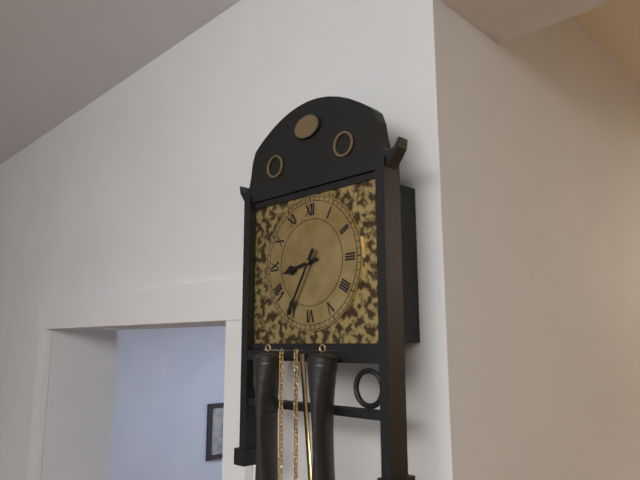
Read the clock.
8:35
